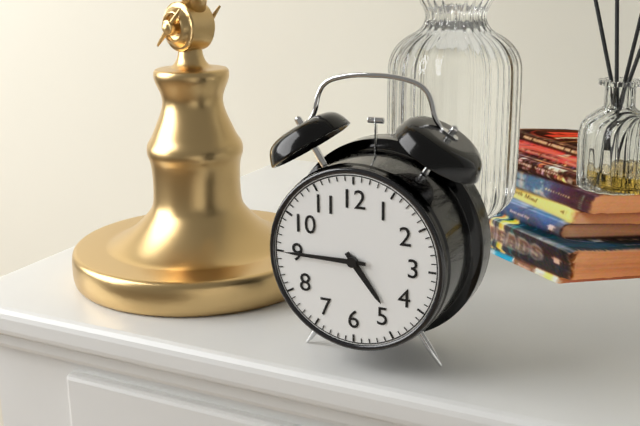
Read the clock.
4:45
